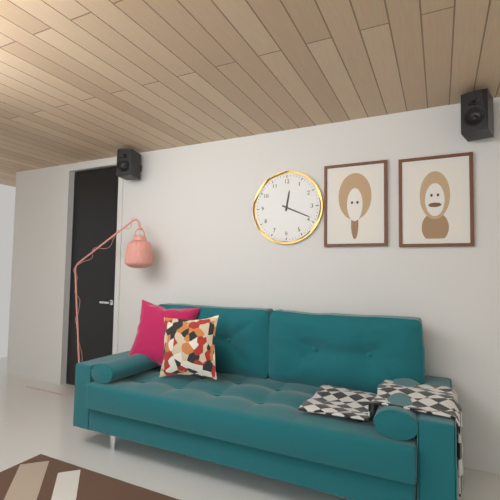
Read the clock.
12:19
